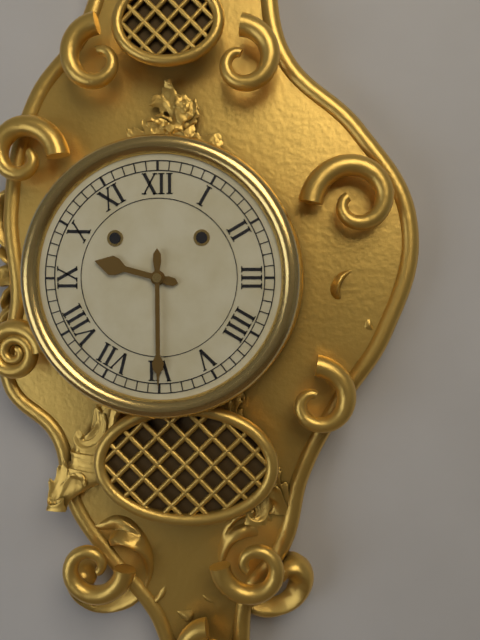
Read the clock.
9:30
